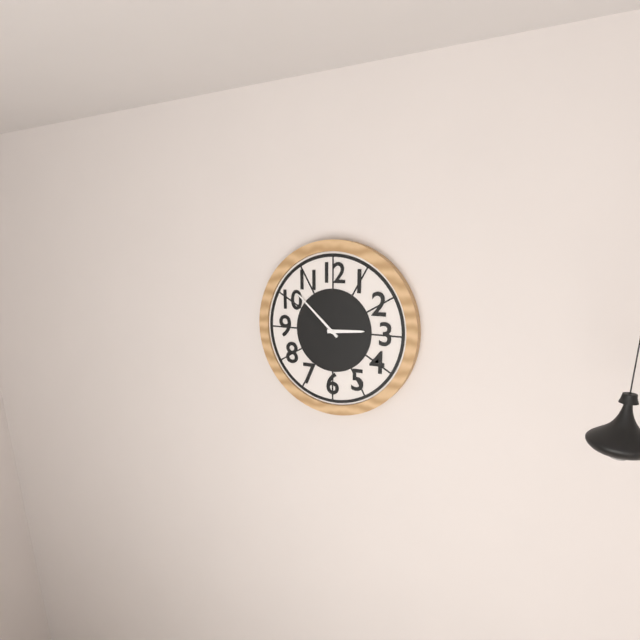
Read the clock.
2:52
